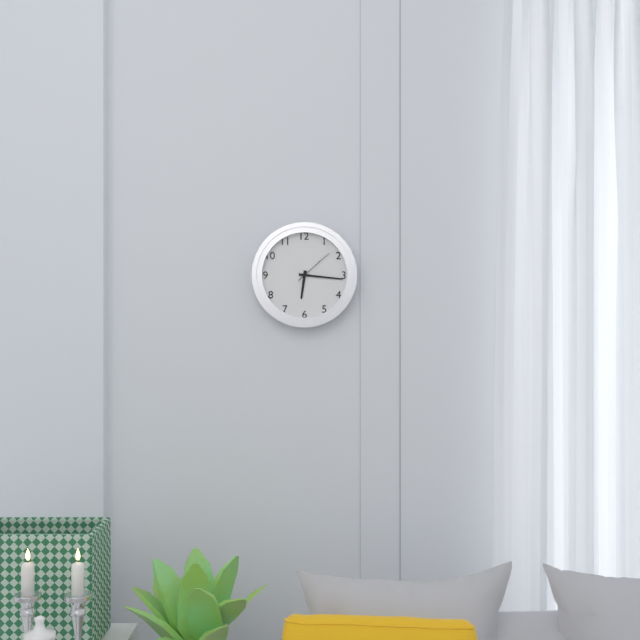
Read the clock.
6:16
